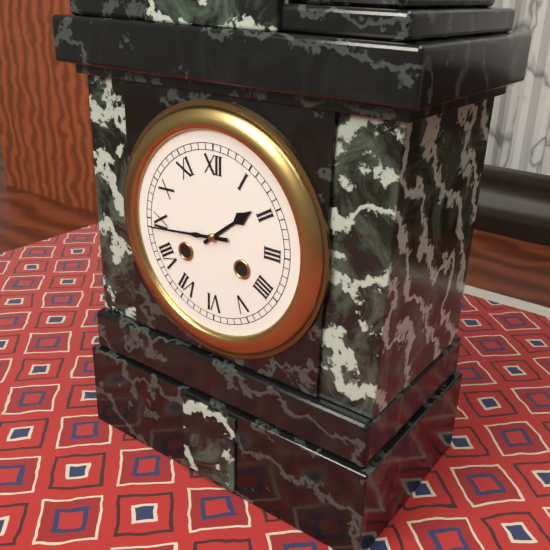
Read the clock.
1:44
